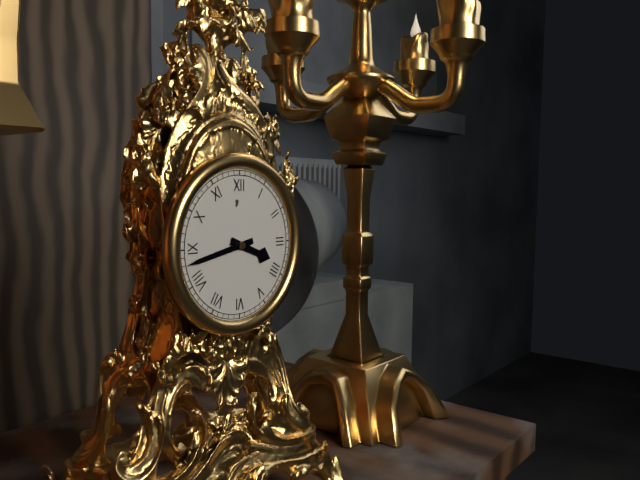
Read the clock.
3:43
